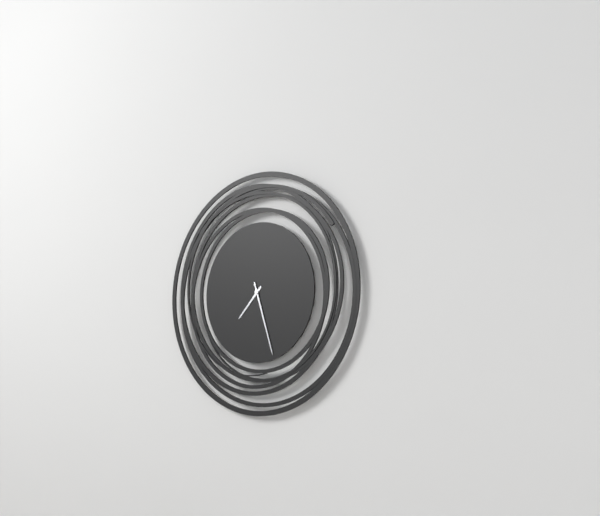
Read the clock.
7:27
